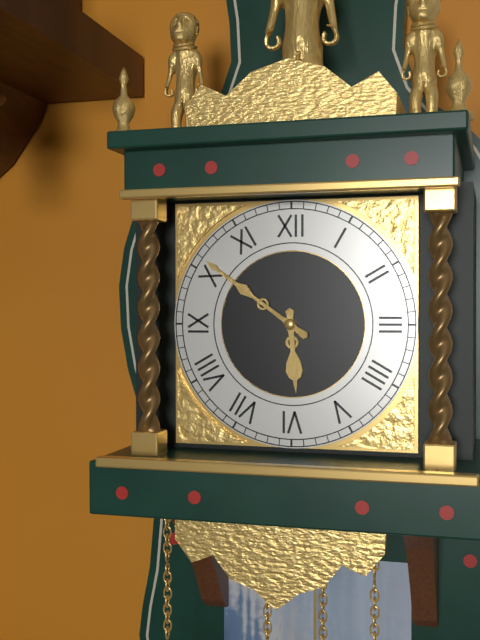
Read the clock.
5:51
